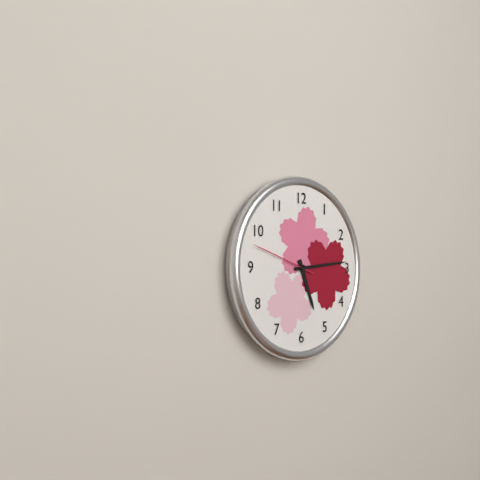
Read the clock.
5:14:48
